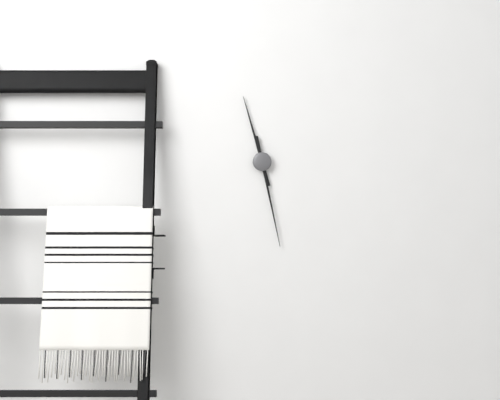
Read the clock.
11:28
